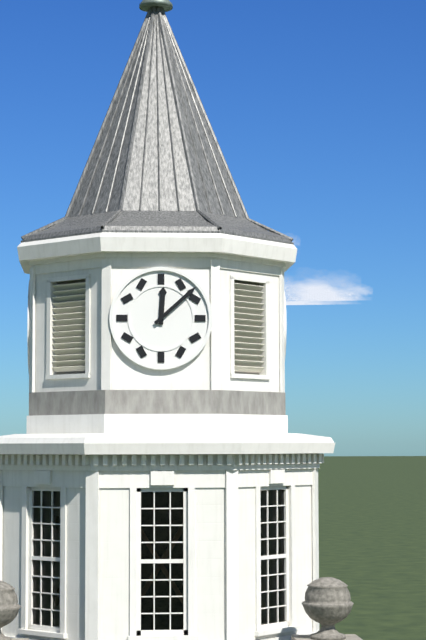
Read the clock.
12:08
